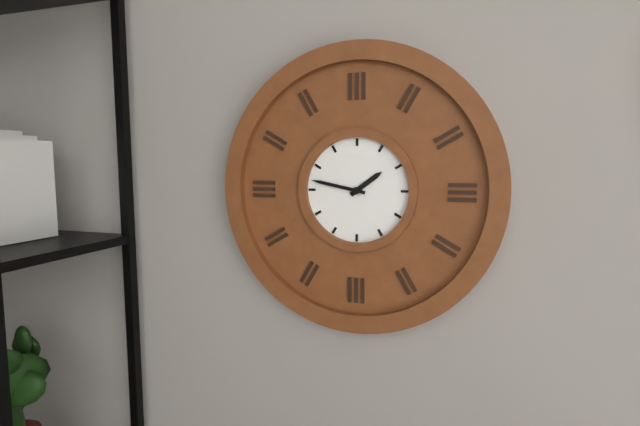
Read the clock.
1:47
